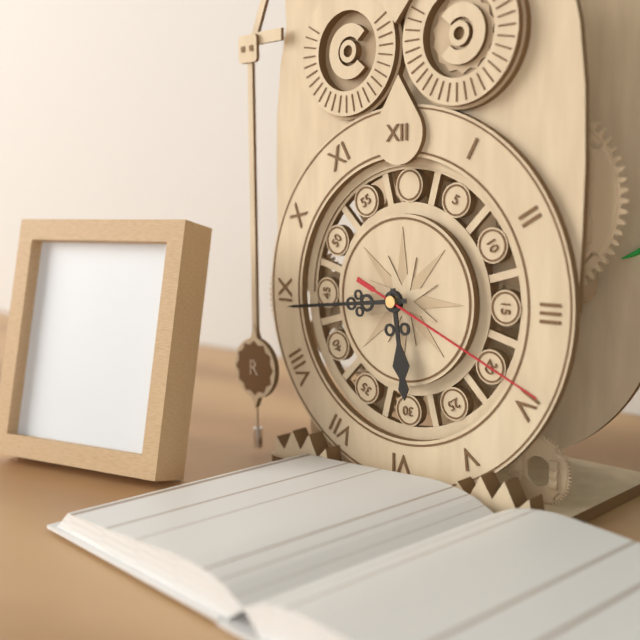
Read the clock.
5:44:19
